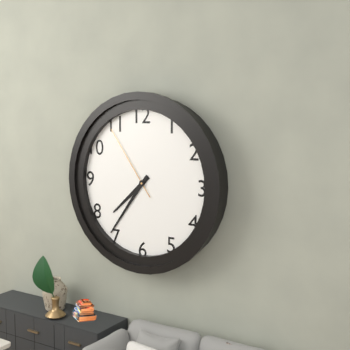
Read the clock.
7:36:54
